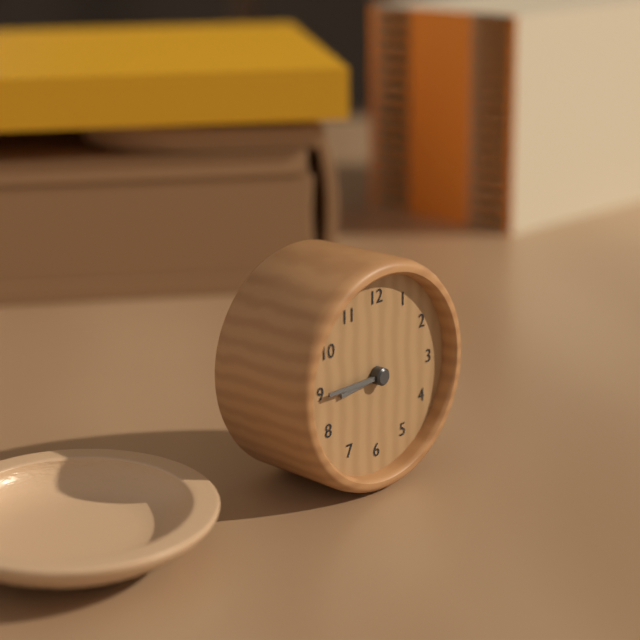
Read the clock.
8:45
